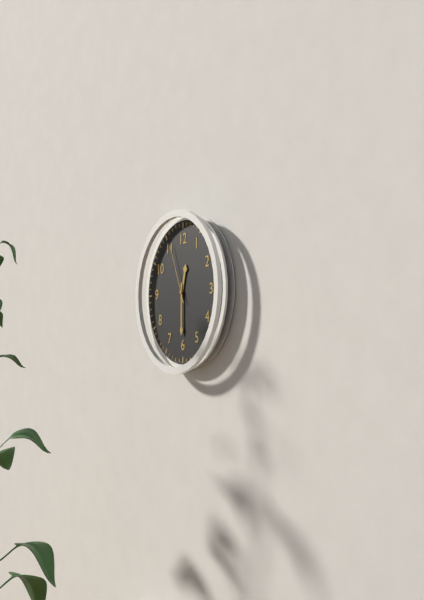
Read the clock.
12:30:56
